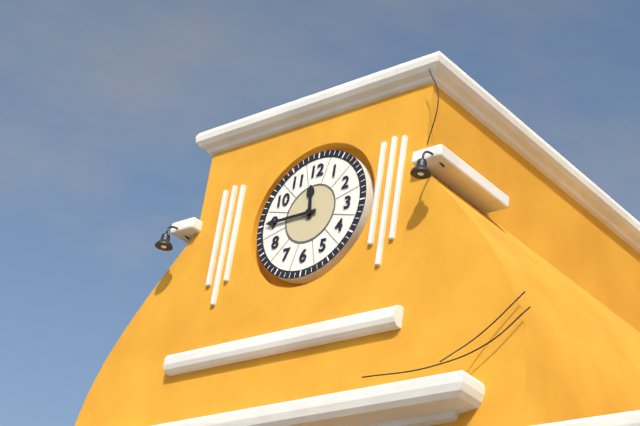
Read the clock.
11:45
